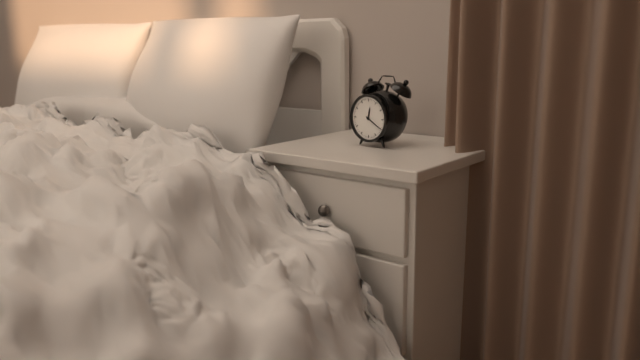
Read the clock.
12:20
